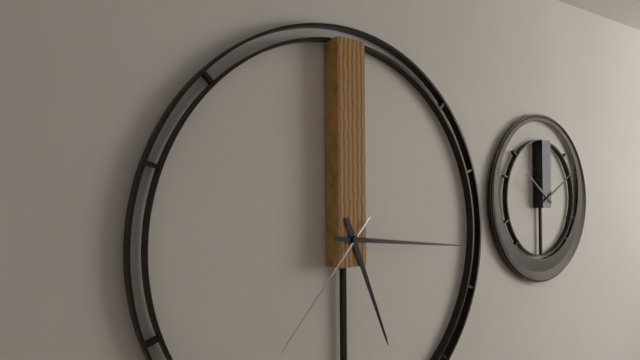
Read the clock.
5:16:37
